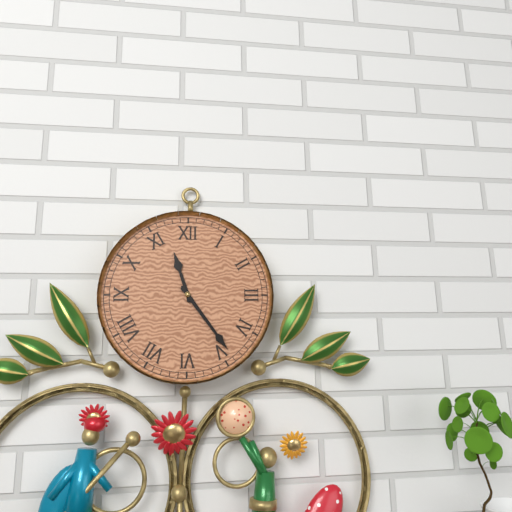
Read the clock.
11:24
